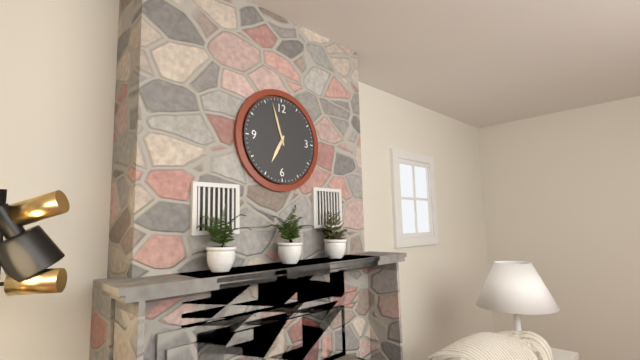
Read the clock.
6:57
